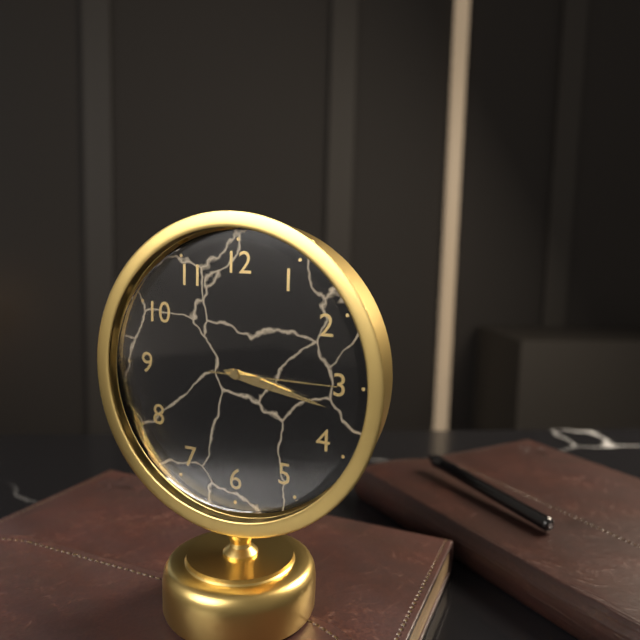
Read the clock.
3:17:15
